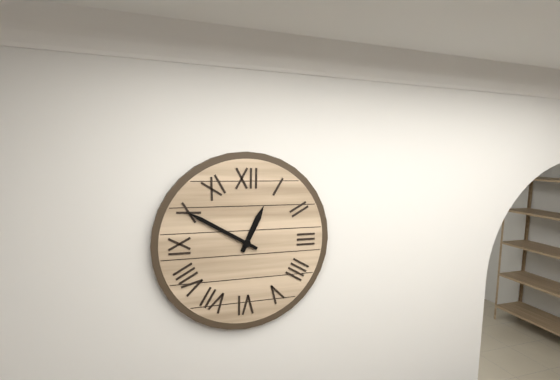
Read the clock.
12:50
